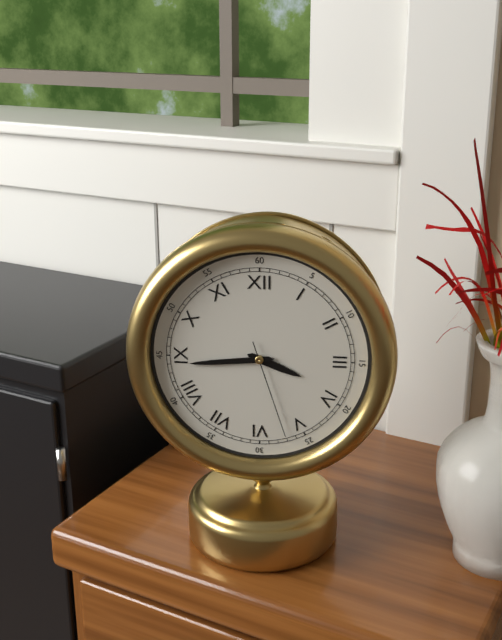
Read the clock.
3:44:27
